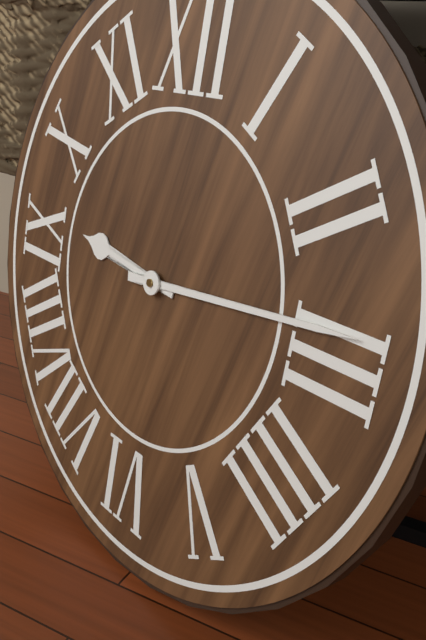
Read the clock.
9:14
